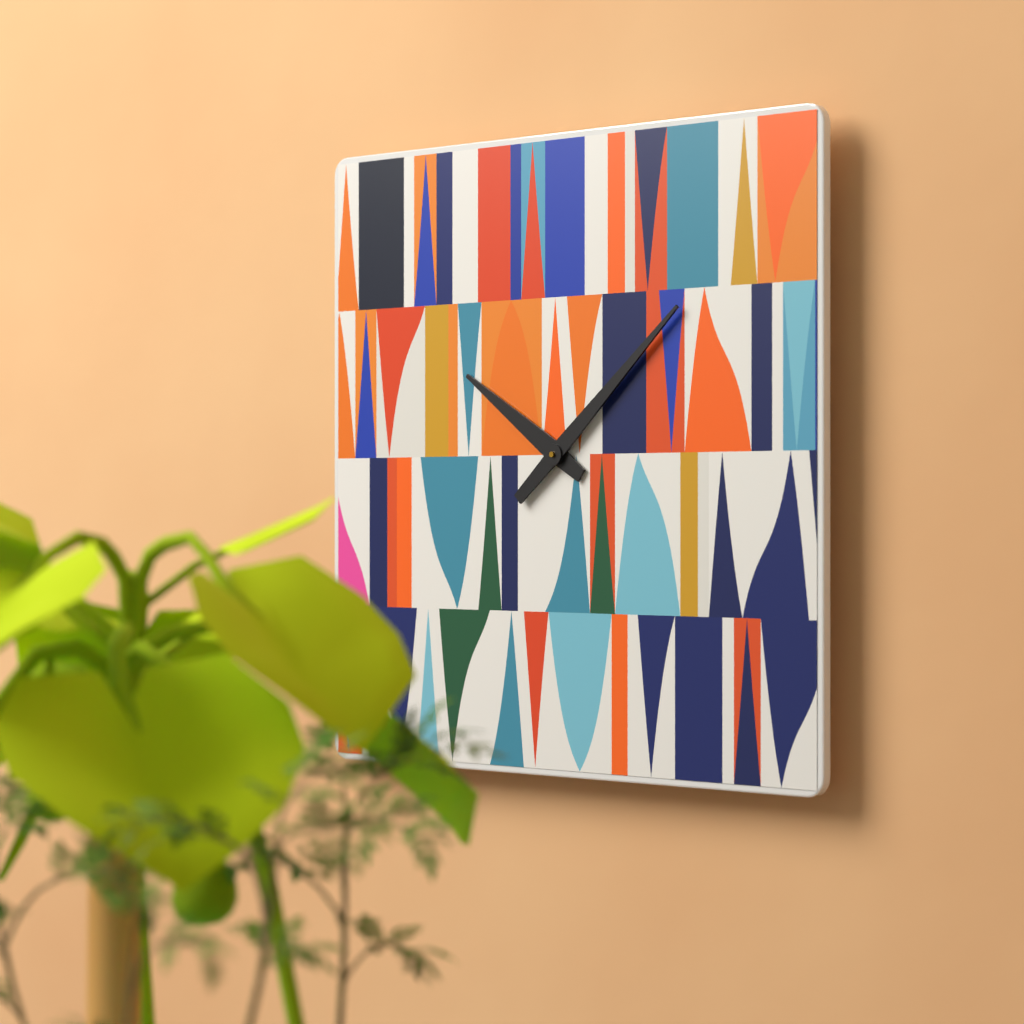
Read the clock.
10:08
